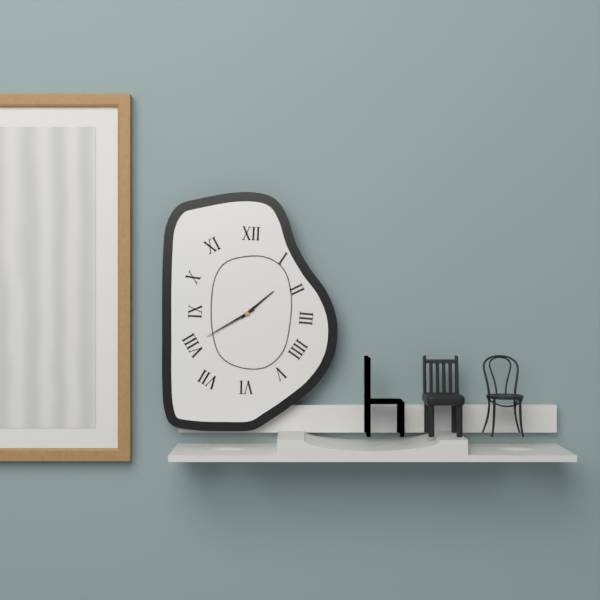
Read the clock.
1:40
